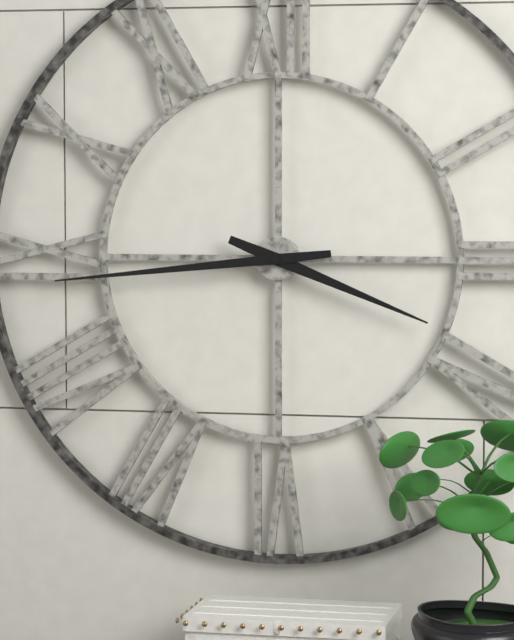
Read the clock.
3:44
